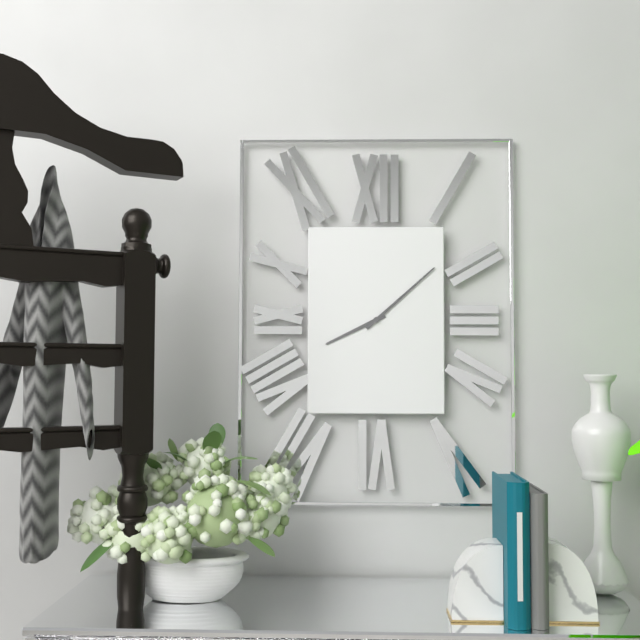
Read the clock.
8:08
